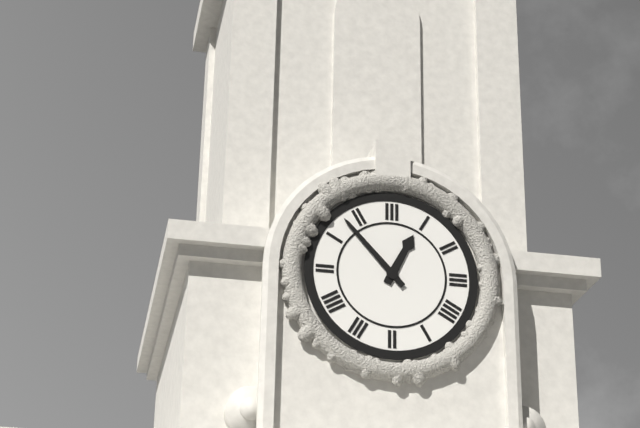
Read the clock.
12:53
